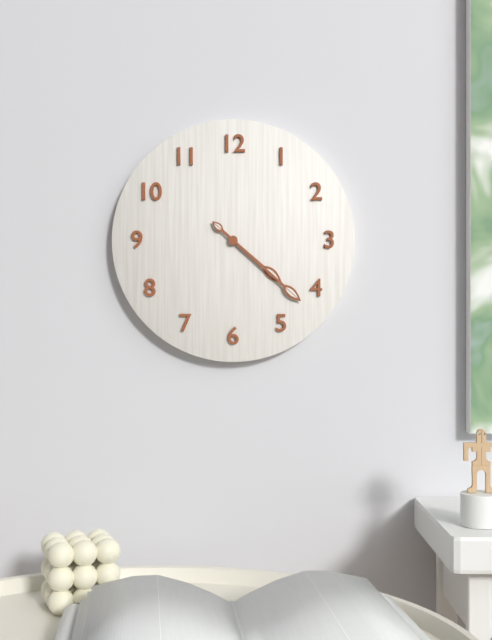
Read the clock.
4:22
